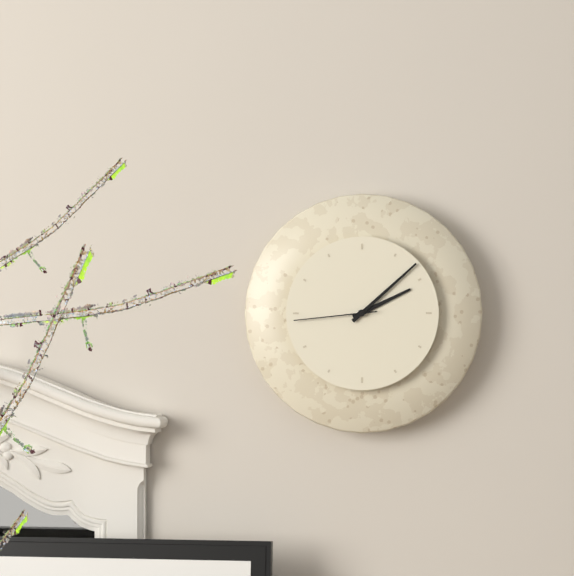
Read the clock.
2:08:44
